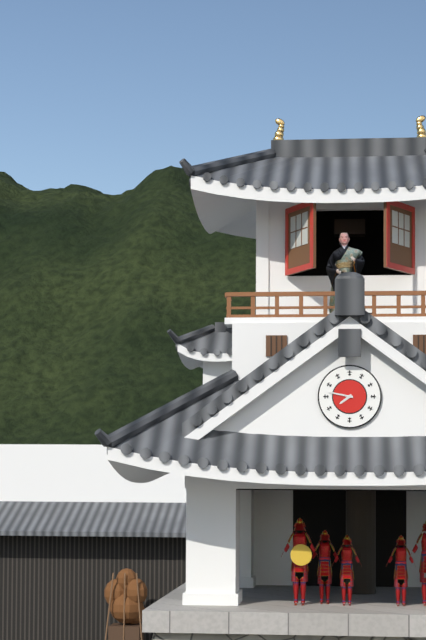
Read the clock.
7:47
